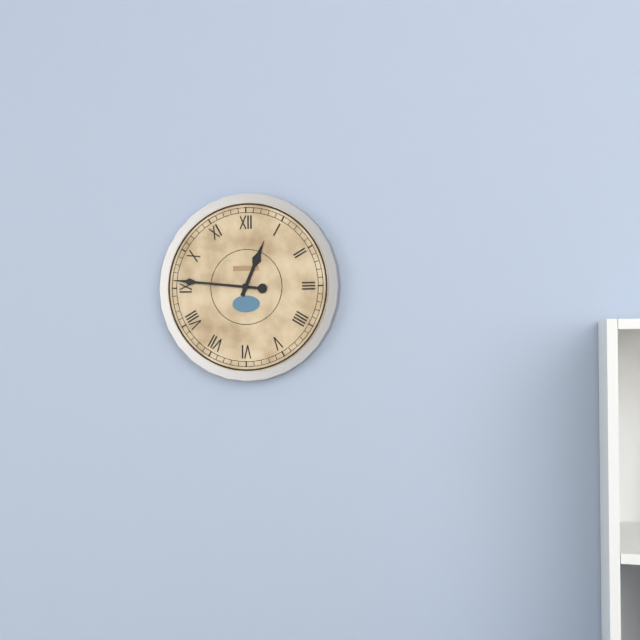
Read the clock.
12:46
